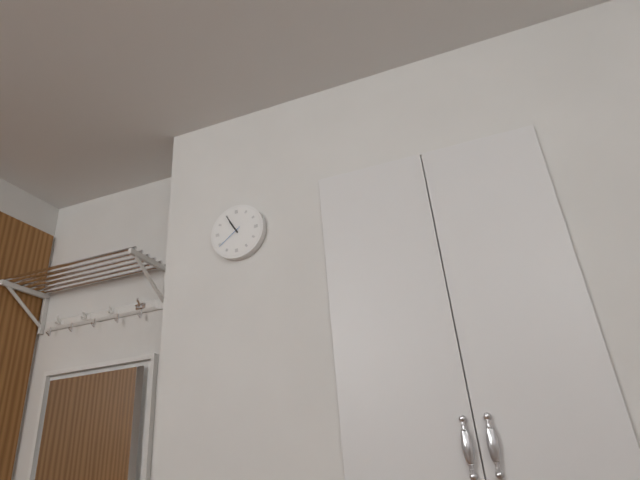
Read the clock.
10:55
